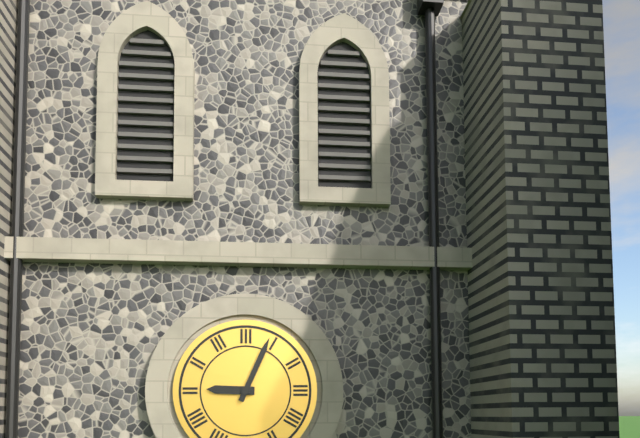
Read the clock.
9:04
